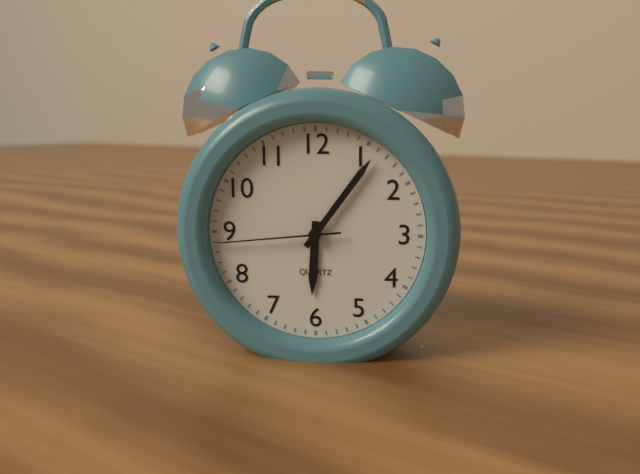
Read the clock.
6:06:44
